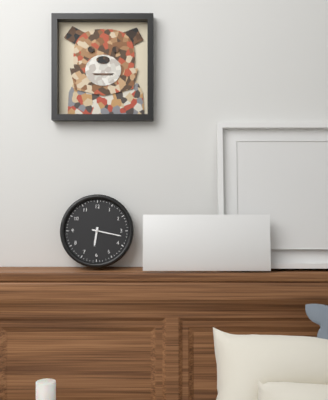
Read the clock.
6:17
